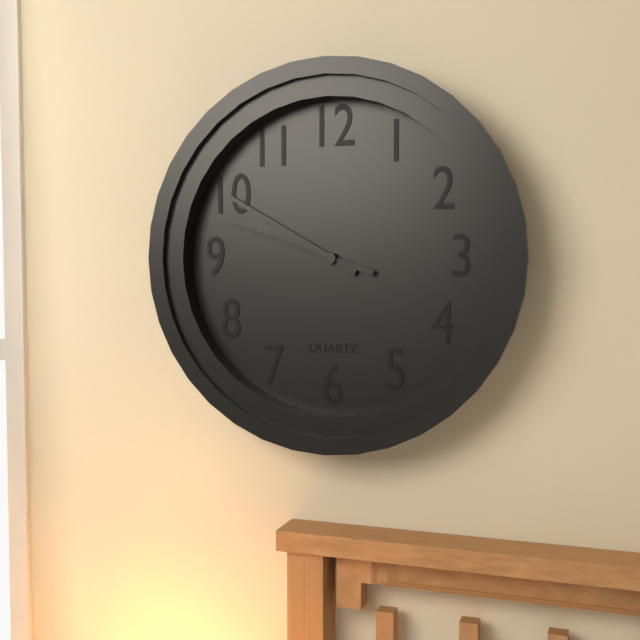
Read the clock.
9:50:48
